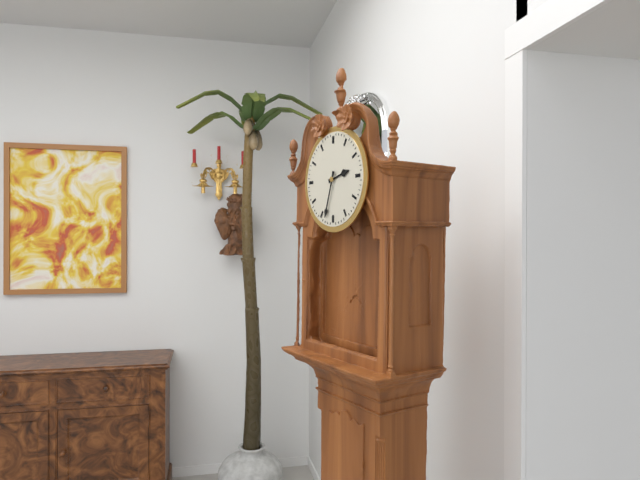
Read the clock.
2:33
